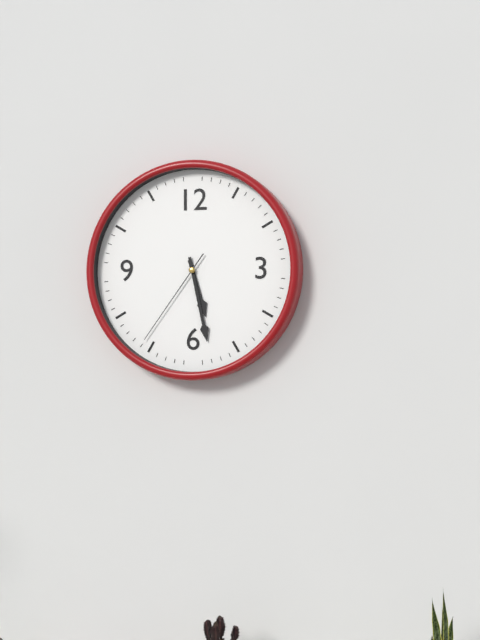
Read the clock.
5:28:36
